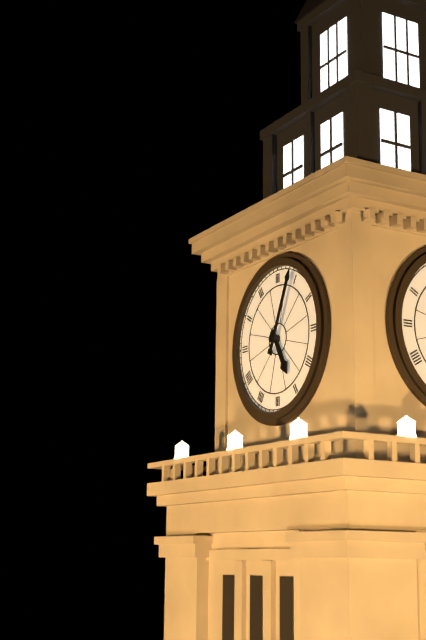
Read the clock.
5:04
